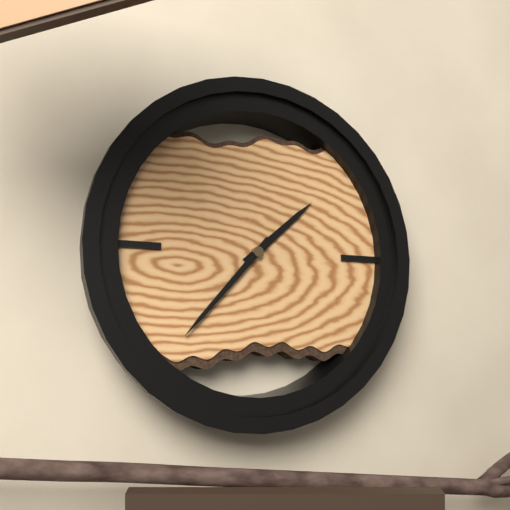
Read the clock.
1:37
